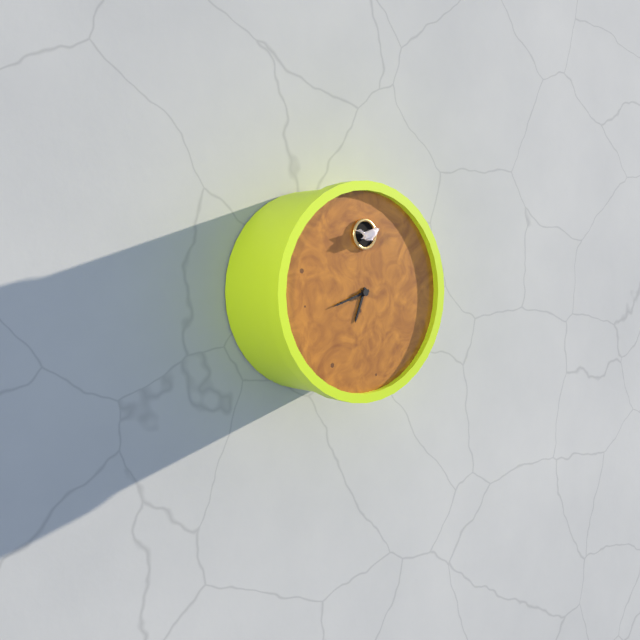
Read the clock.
6:42
